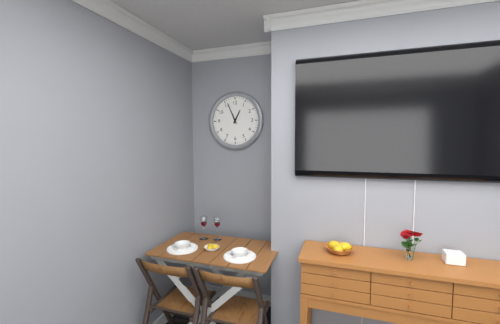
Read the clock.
12:56
